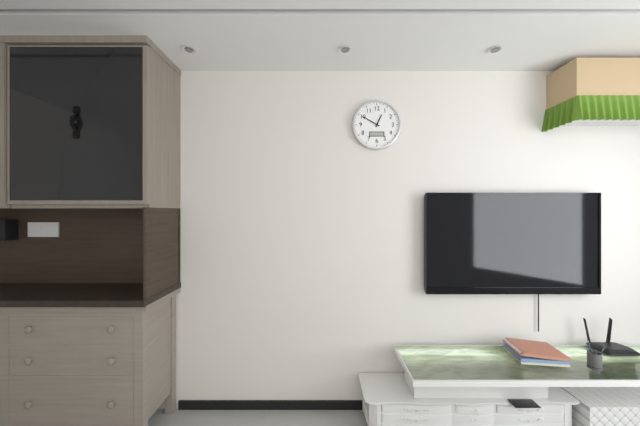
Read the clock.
12:50
